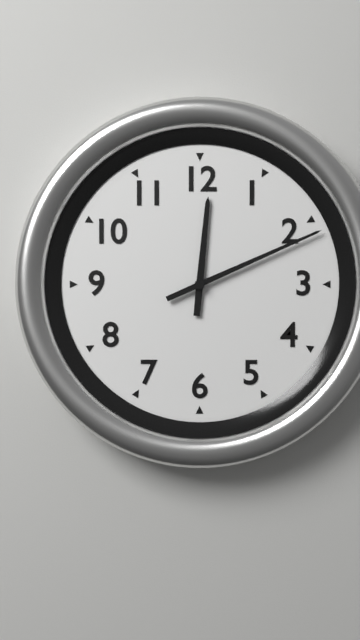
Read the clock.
12:11
